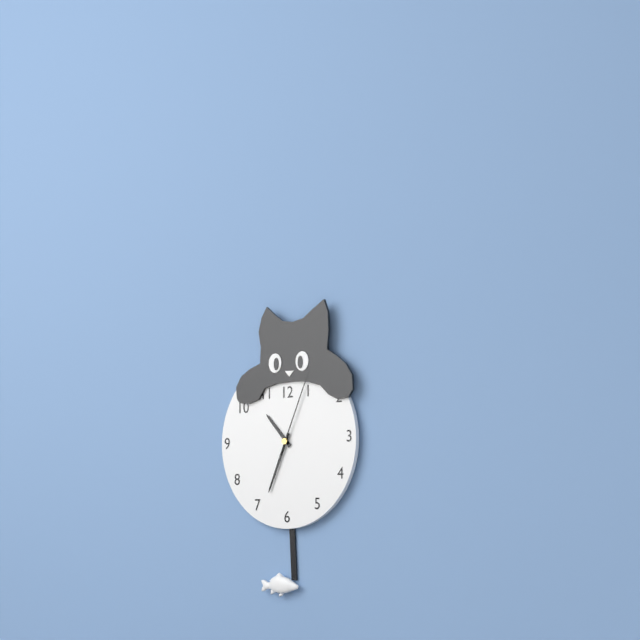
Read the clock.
10:34:04
